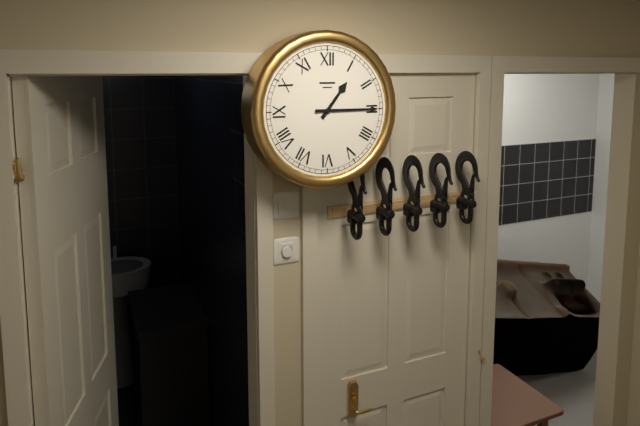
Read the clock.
1:15
